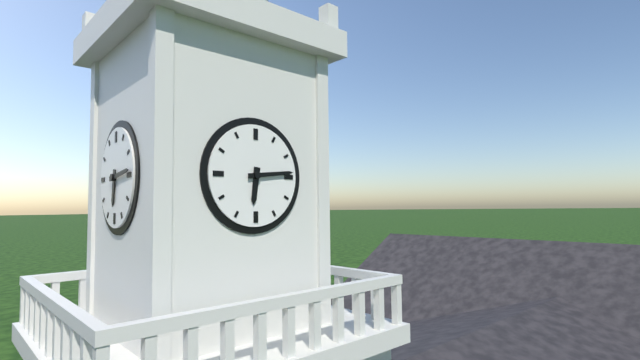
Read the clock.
6:14
